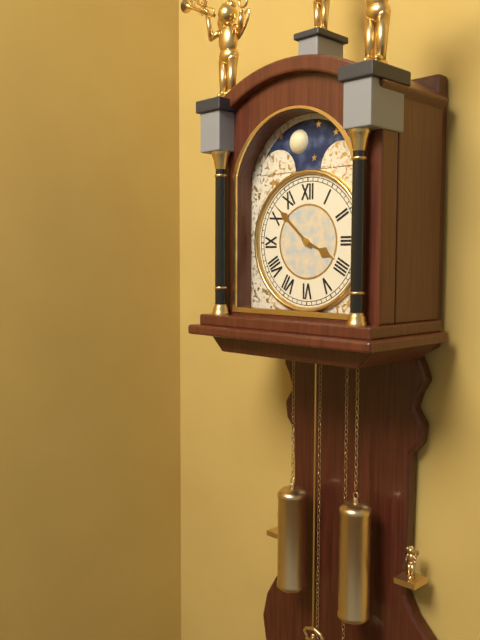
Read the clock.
3:52
